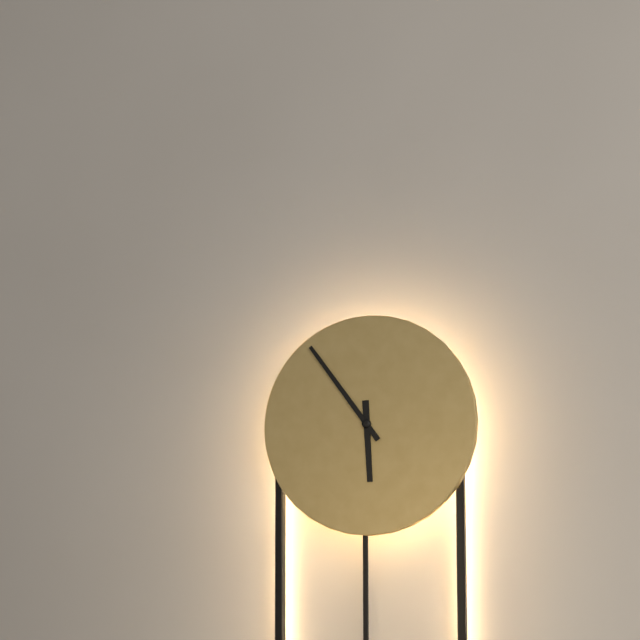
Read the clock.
5:54
